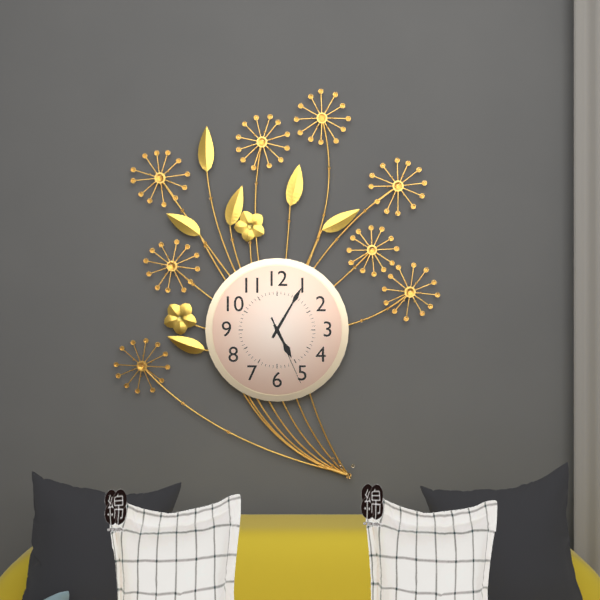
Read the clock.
5:05:26
